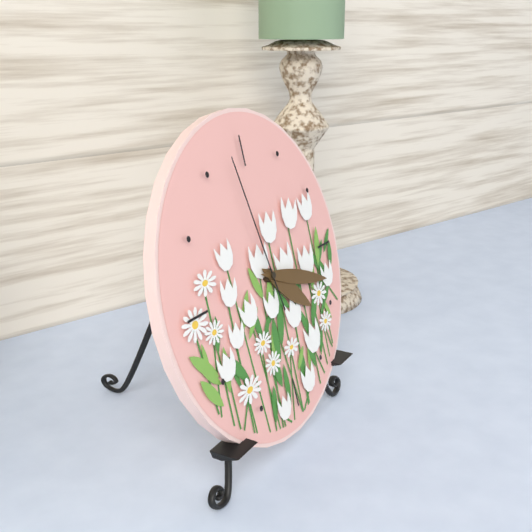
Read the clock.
4:18:58
